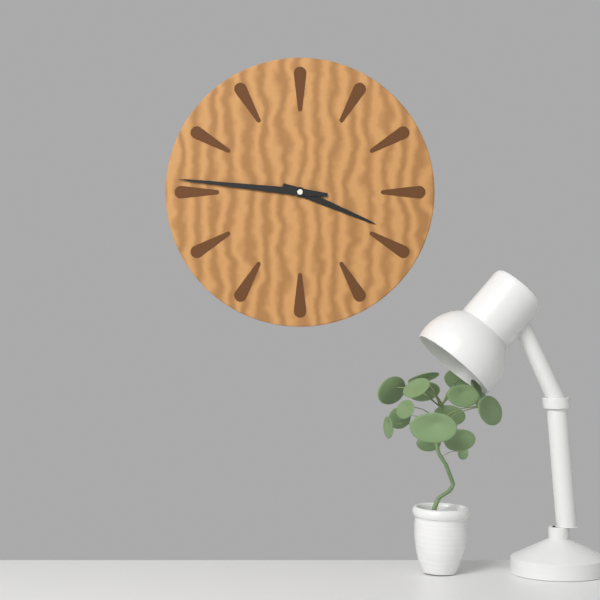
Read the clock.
3:46
